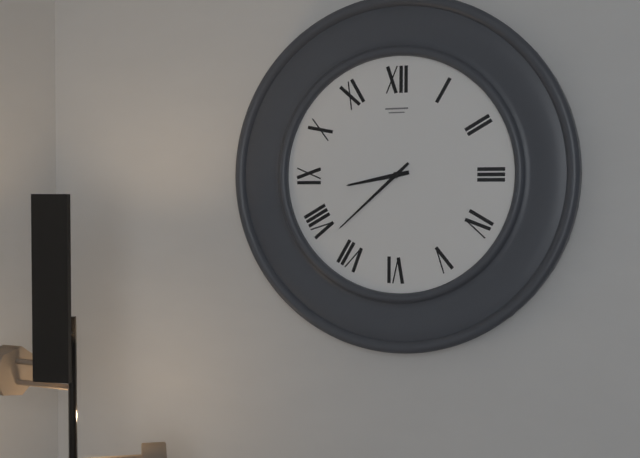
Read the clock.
8:38
